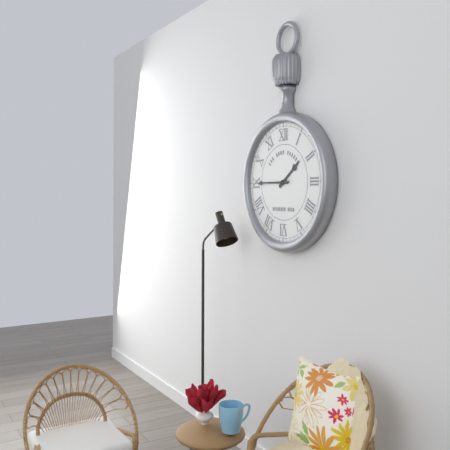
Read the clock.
1:45
